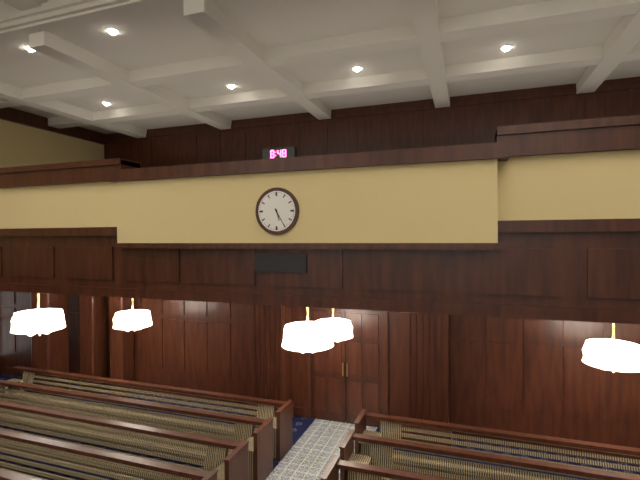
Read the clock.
5:25
